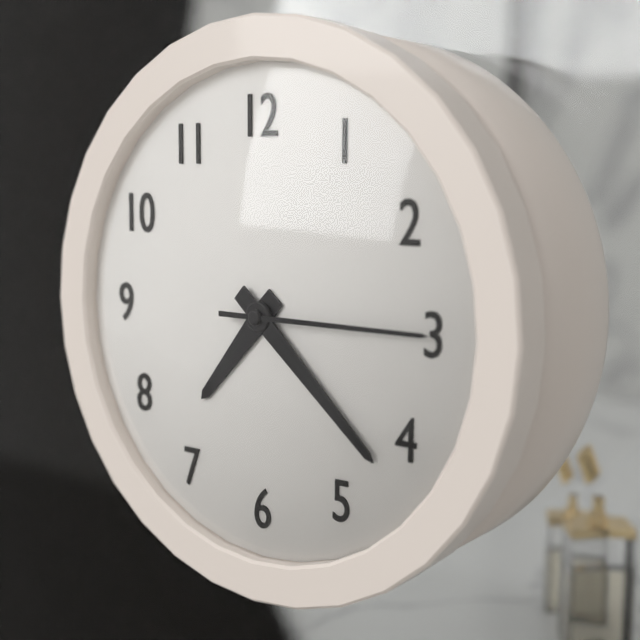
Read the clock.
7:22:15
